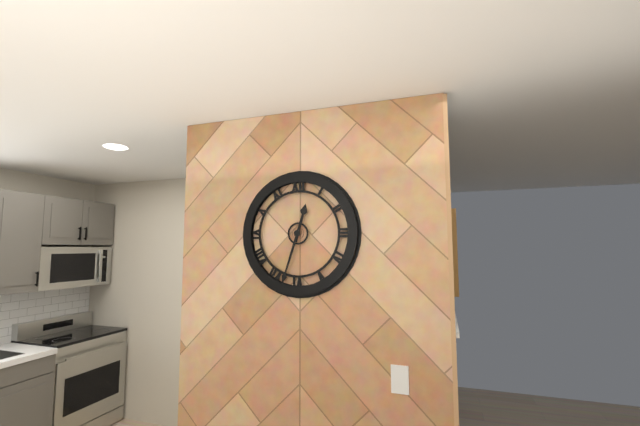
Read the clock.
12:33
